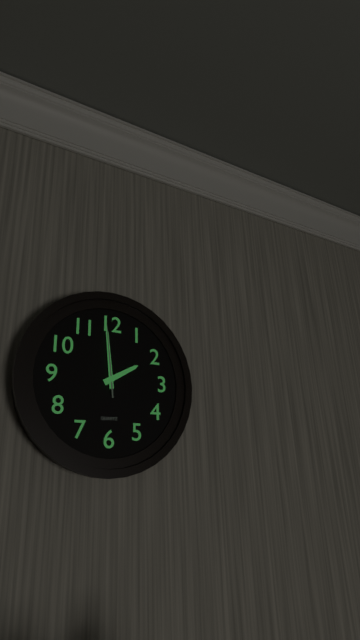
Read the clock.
1:59:59
